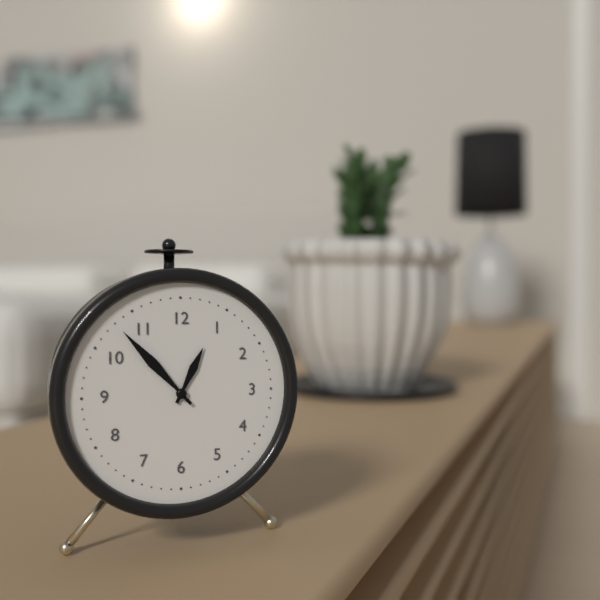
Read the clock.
12:53
